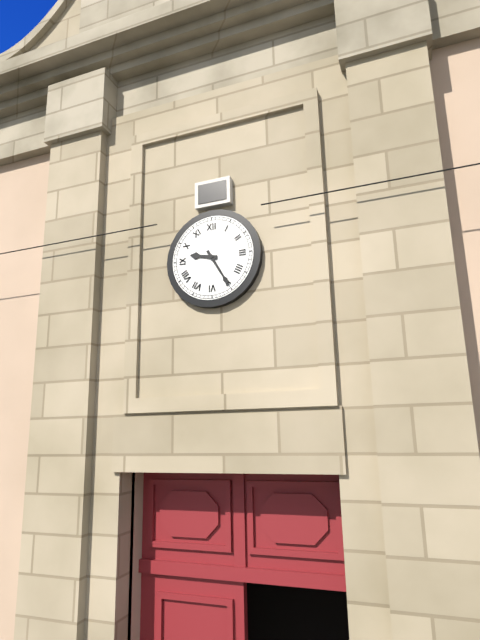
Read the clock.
9:25
